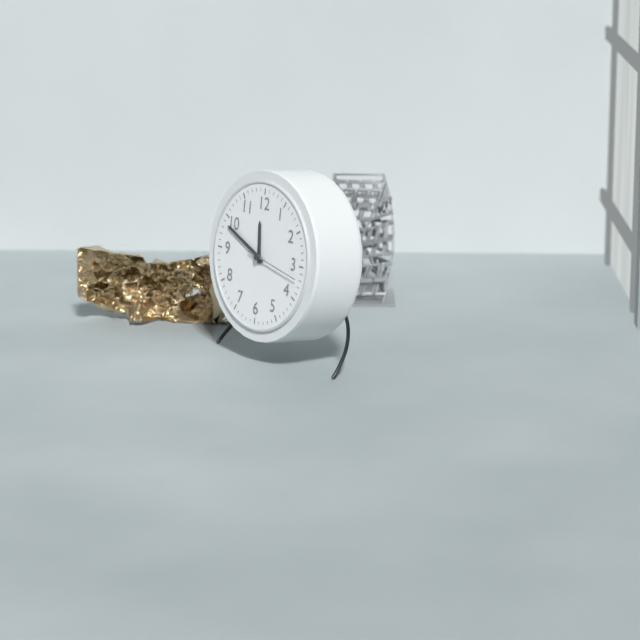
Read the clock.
11:49:17
